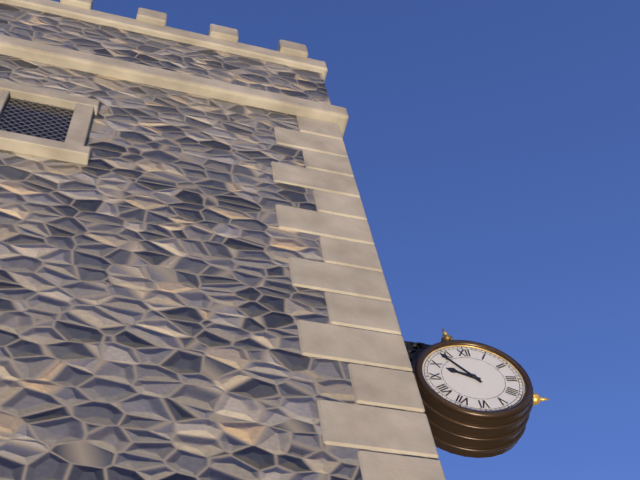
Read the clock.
9:54
